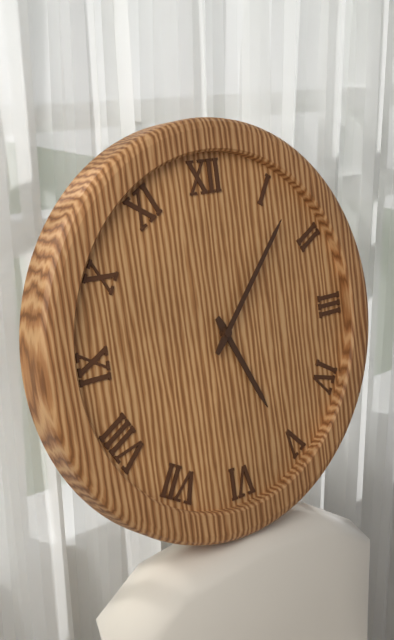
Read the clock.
5:07
